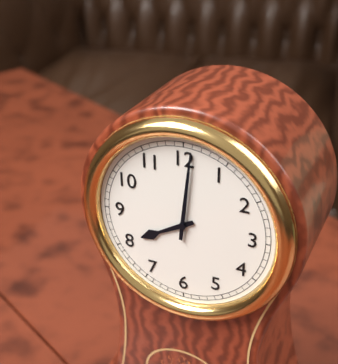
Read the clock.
8:01
